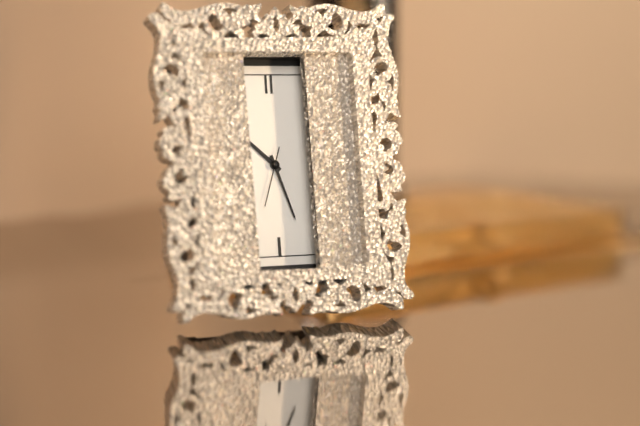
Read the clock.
10:27:33
